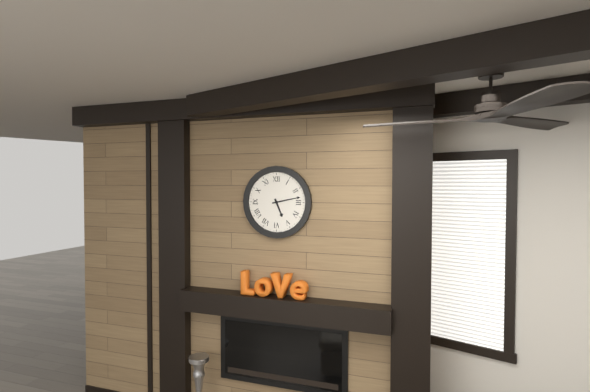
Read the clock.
5:13
